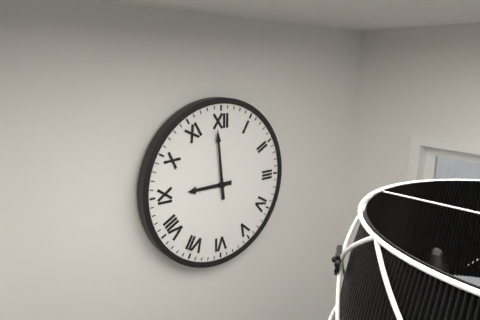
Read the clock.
8:59
